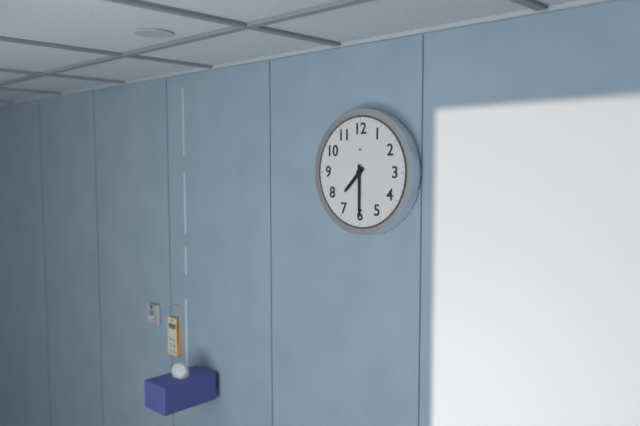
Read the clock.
7:30
